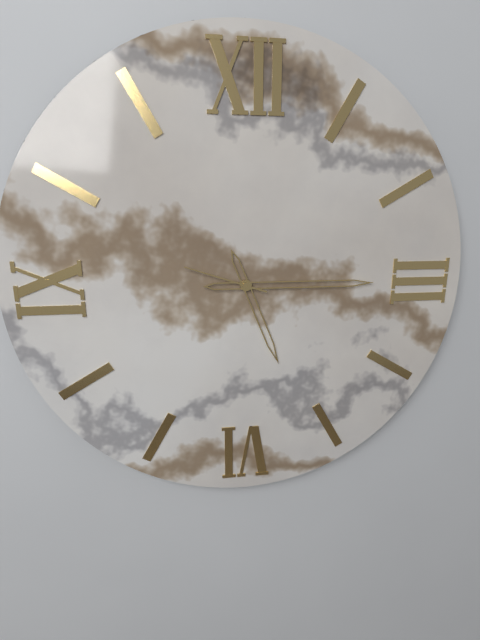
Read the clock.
5:15:48
